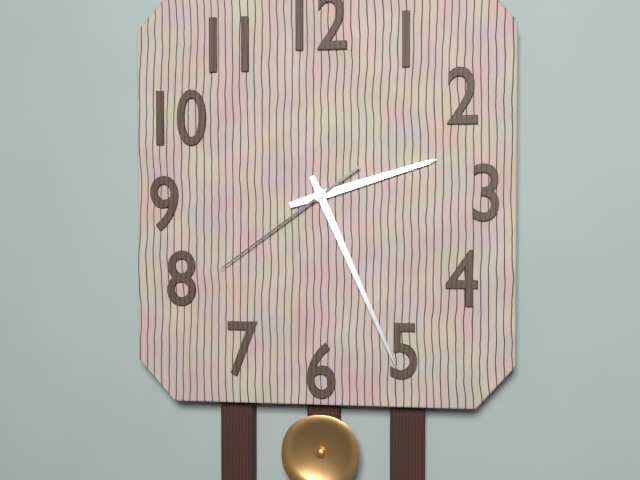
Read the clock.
2:26:39
